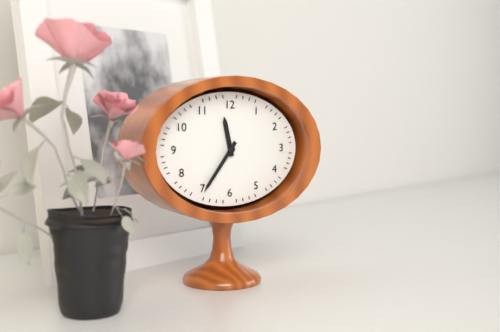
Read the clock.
11:36
